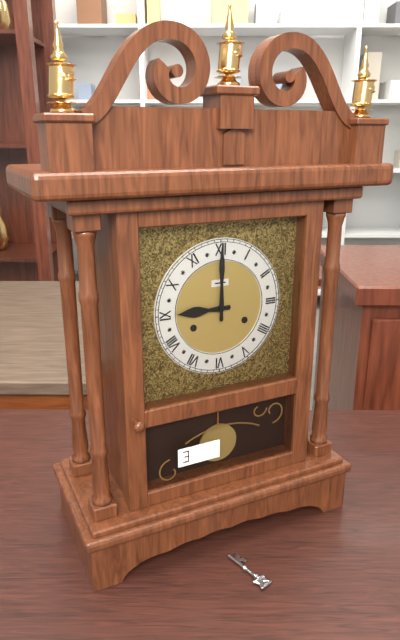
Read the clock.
9:00
